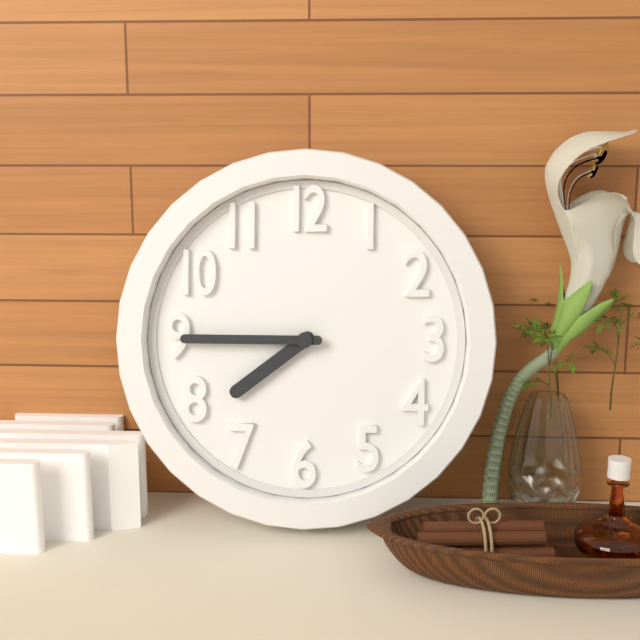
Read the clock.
7:45
